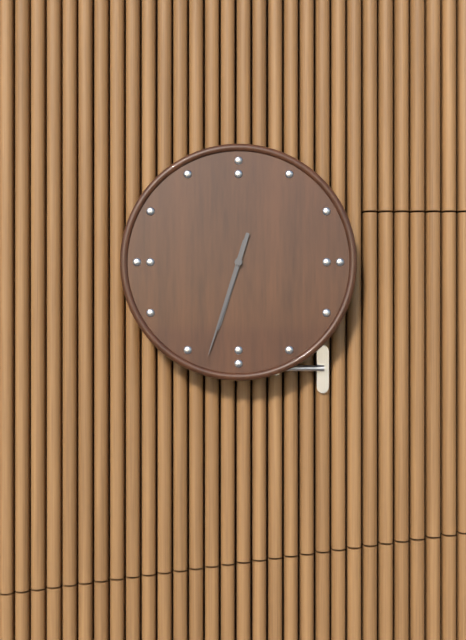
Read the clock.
6:33
